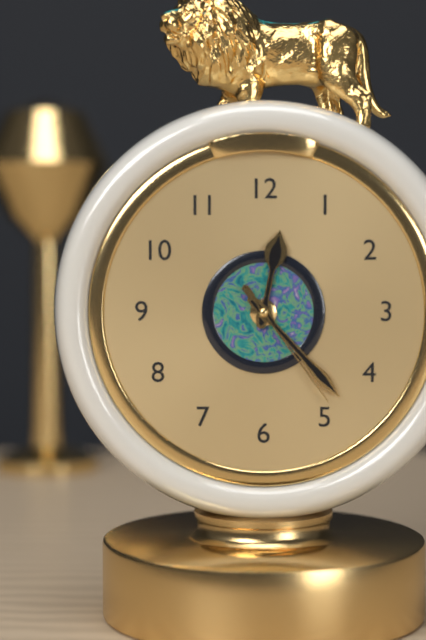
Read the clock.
12:23:24
